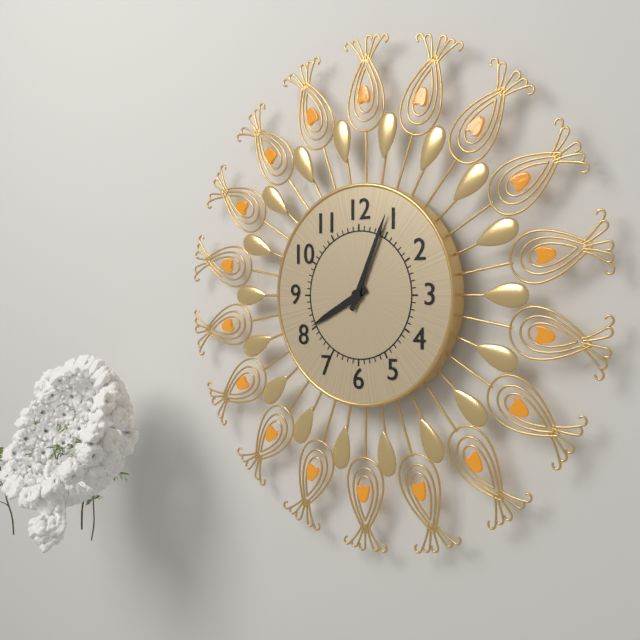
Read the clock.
8:04
